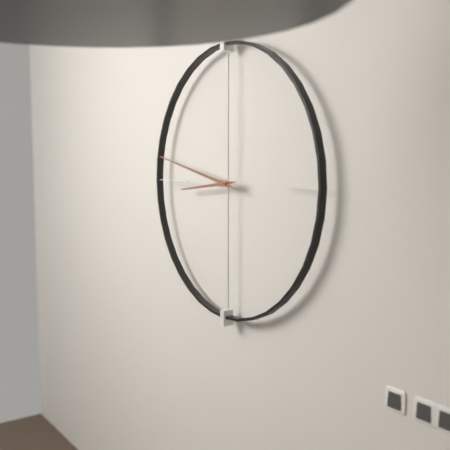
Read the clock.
8:47
